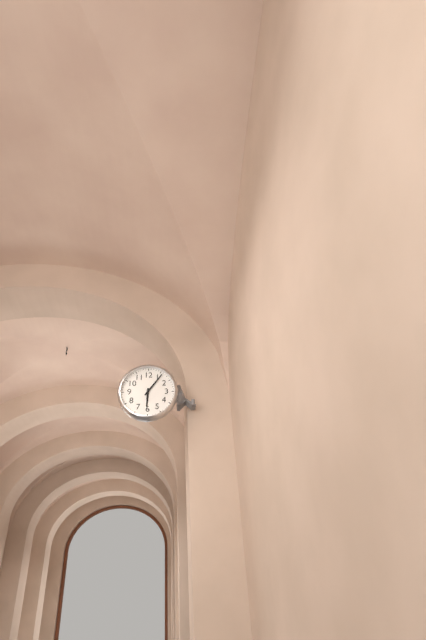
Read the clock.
6:06
